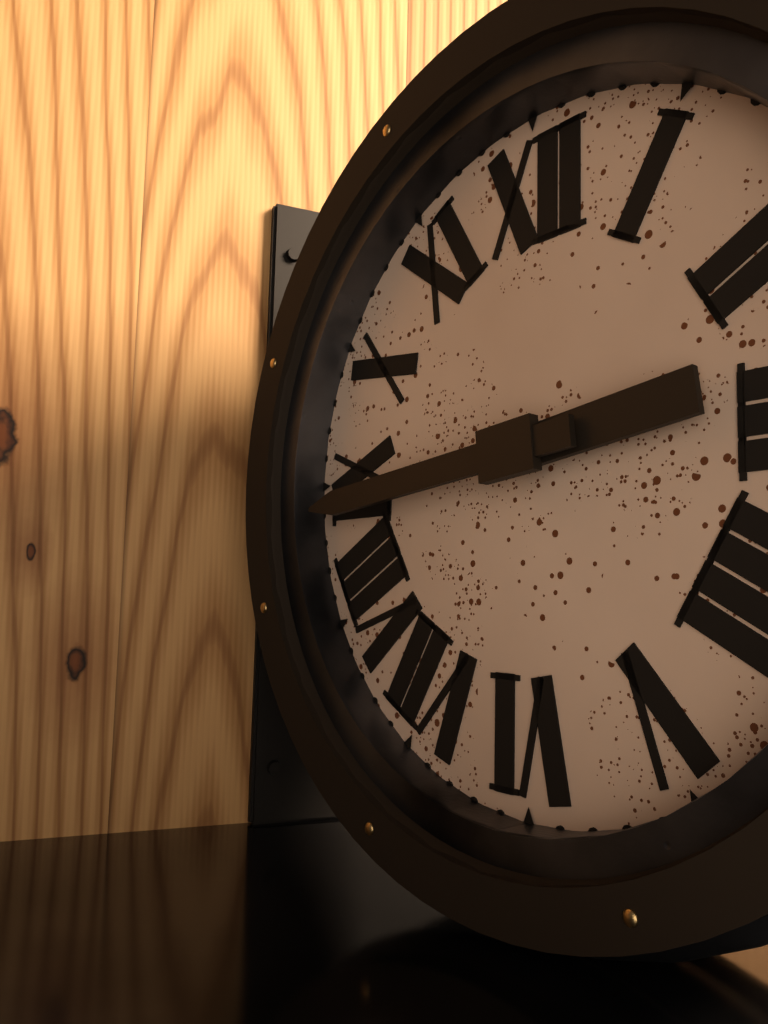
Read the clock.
2:44
